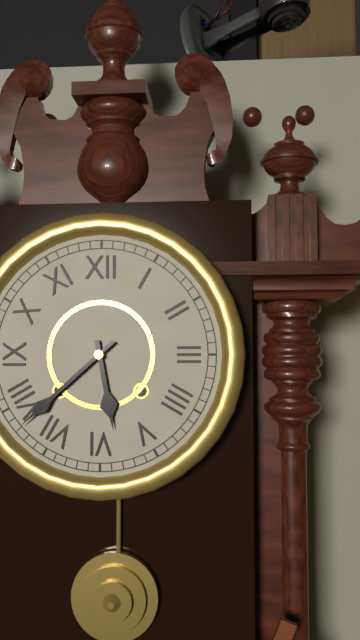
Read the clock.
5:38
